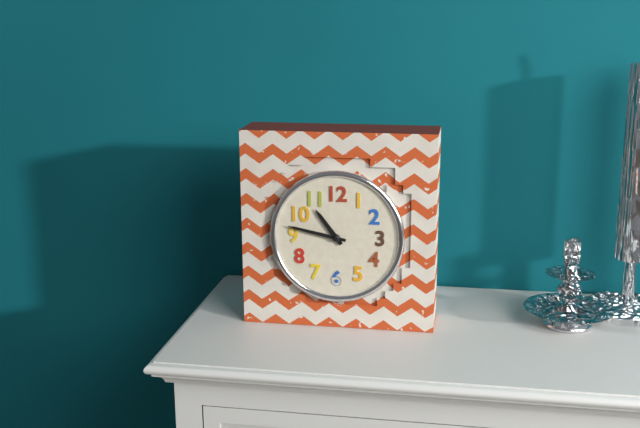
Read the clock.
10:47
